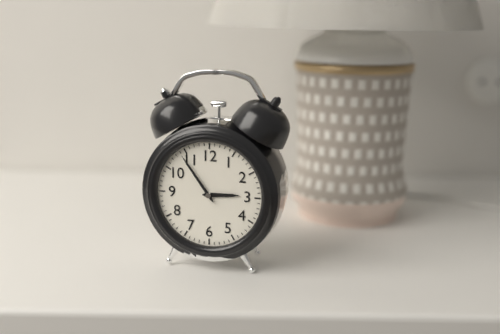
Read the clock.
2:54
